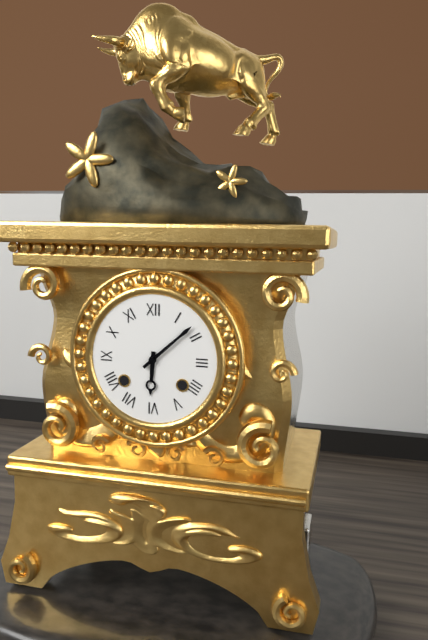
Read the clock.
6:08
